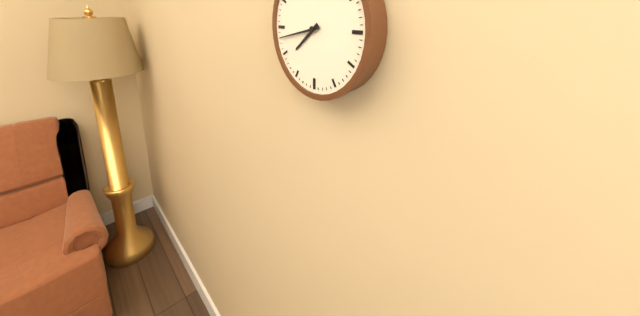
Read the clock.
7:43
